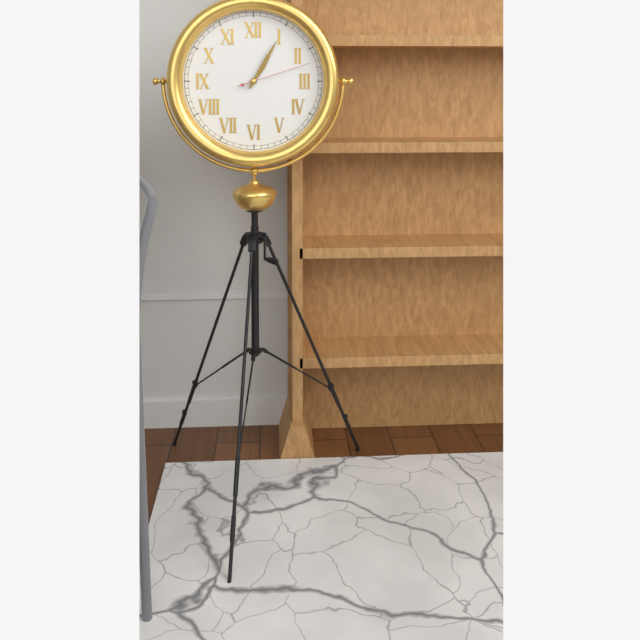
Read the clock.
1:05:12
